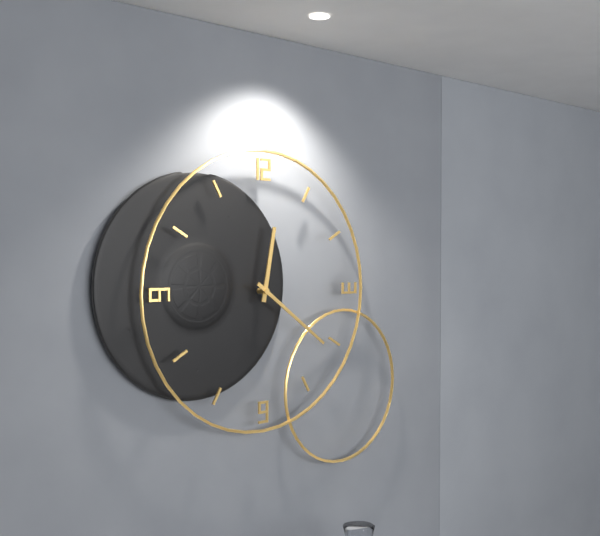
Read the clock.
12:21
